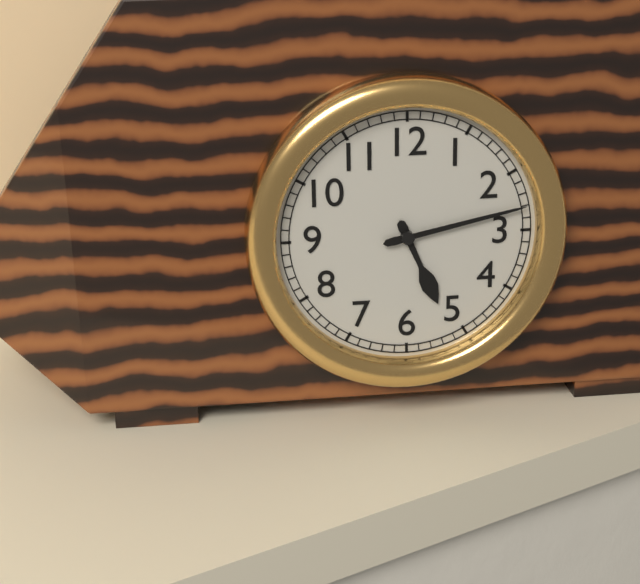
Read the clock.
5:13
